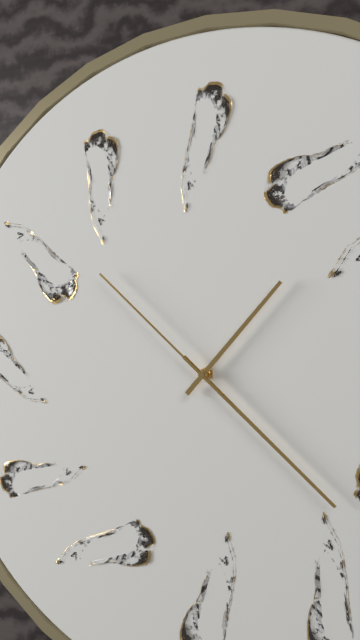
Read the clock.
1:22:52
